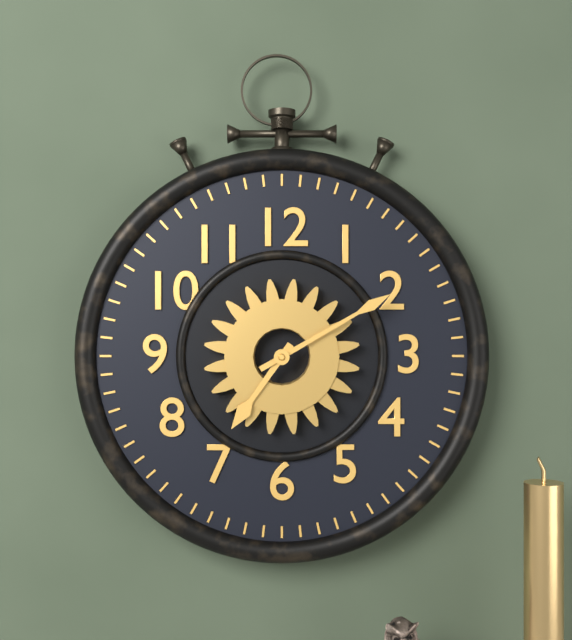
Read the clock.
7:10
